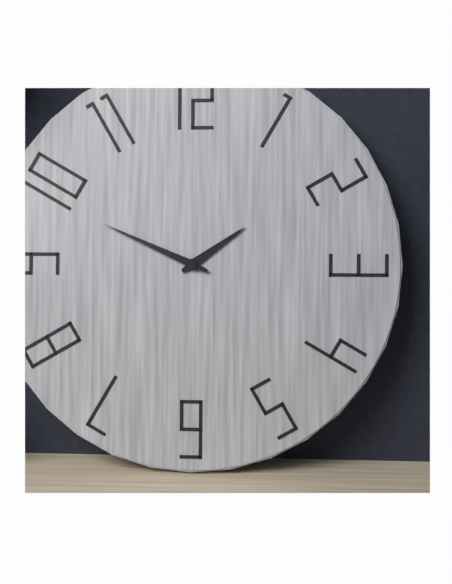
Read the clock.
1:49
